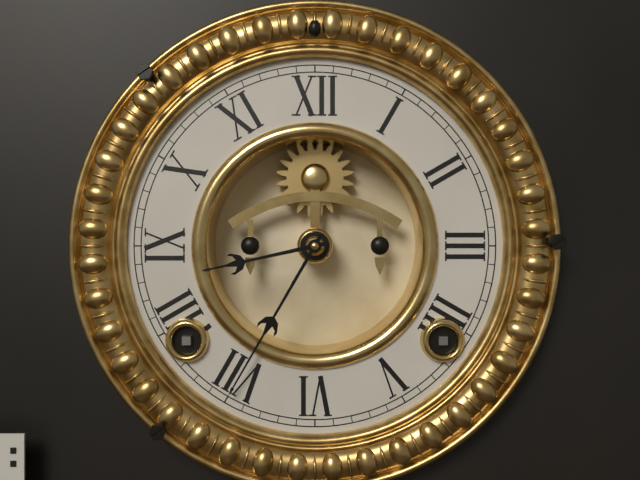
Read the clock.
8:35
